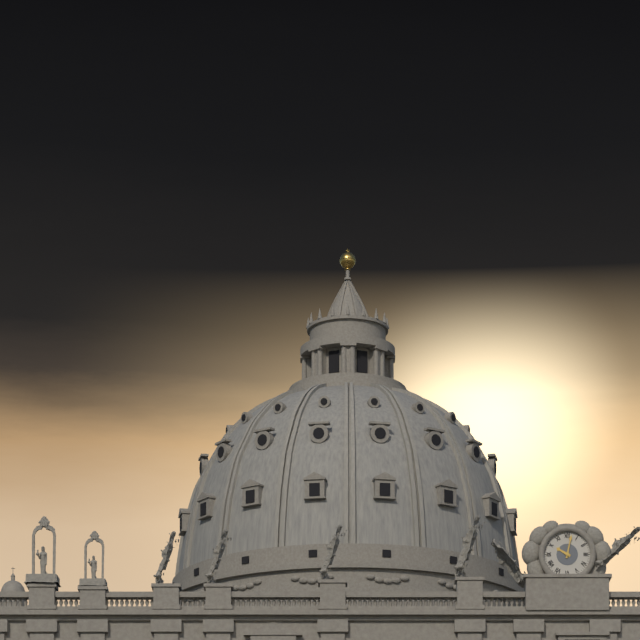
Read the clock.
10:02
